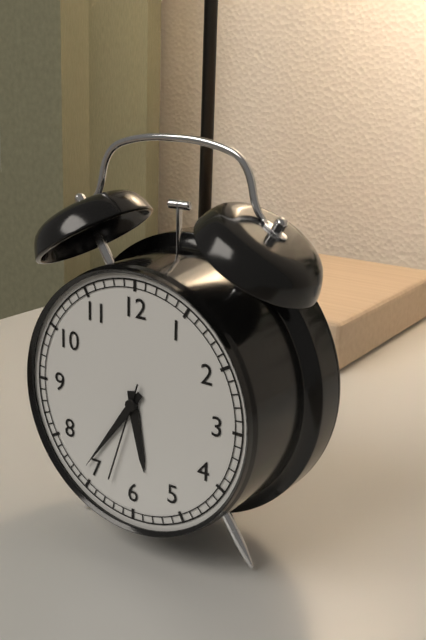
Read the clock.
5:36:33
